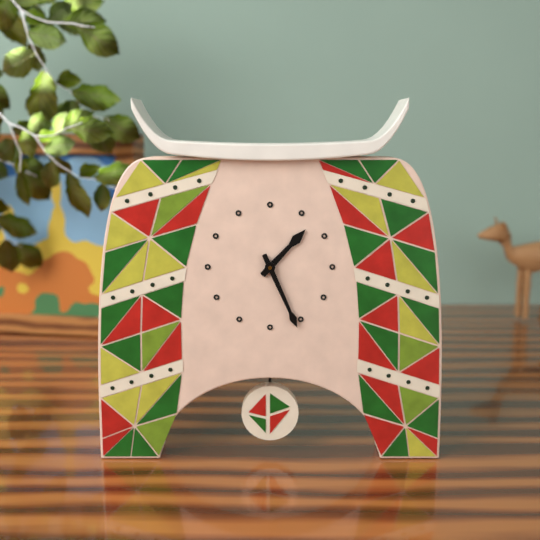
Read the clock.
1:26
